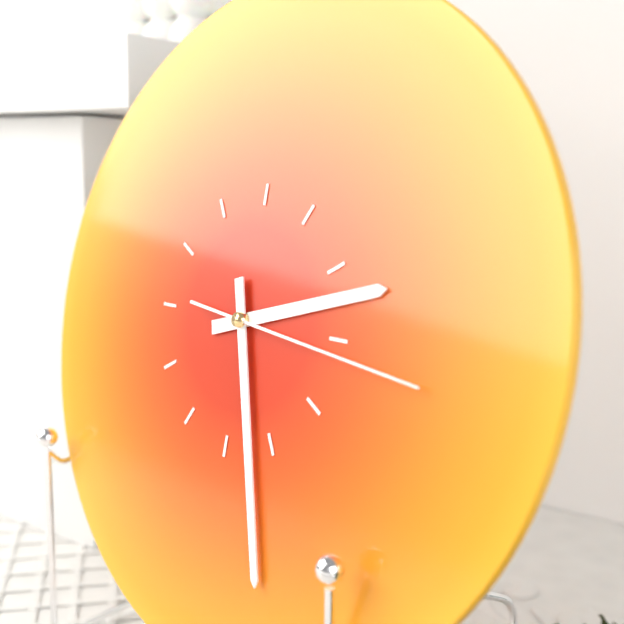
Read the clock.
2:27:16
